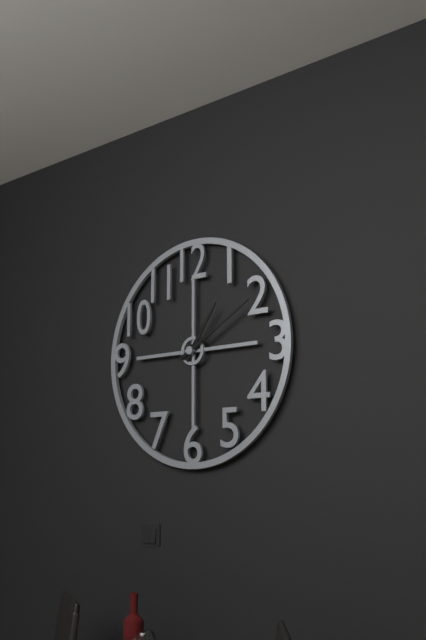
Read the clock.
1:10
